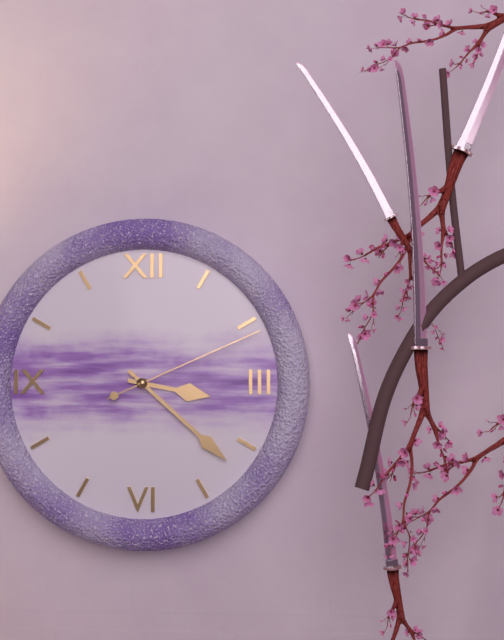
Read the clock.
3:22:11
